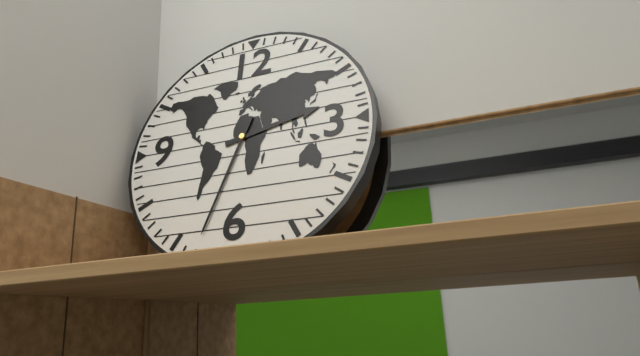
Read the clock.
2:33
